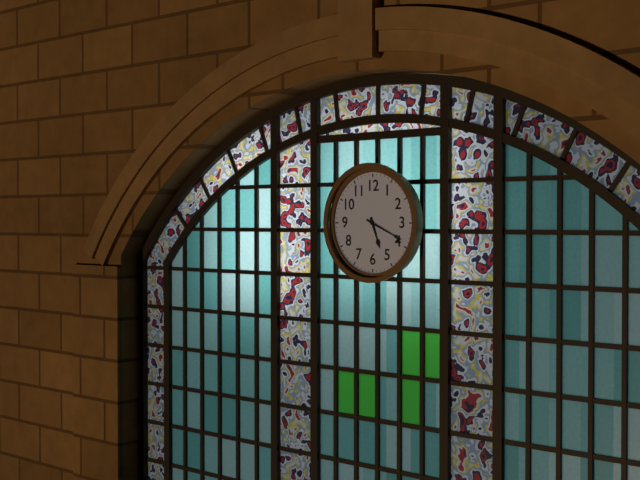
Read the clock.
5:19
